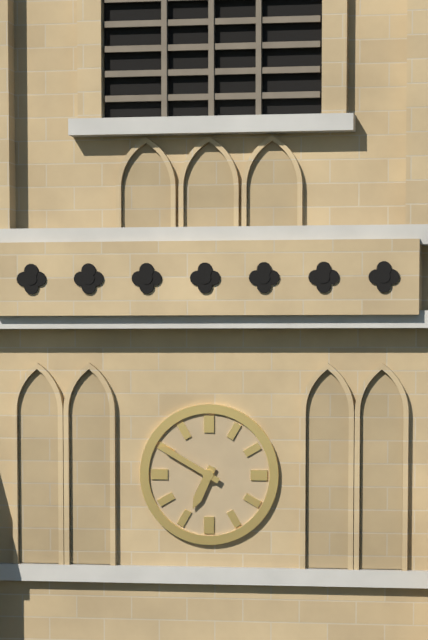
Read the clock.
6:50
